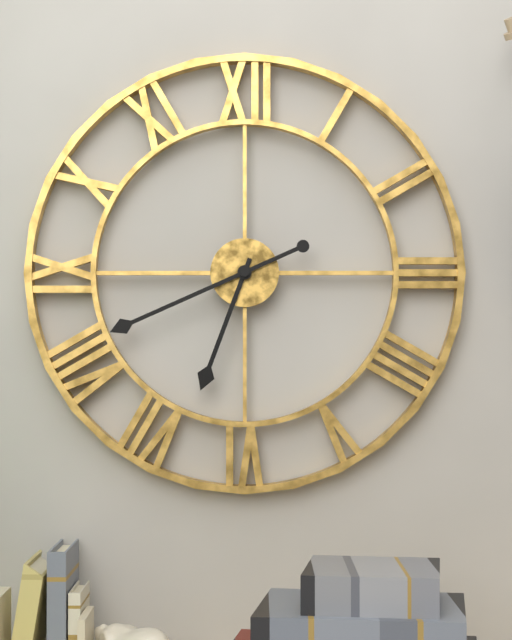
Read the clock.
6:41
